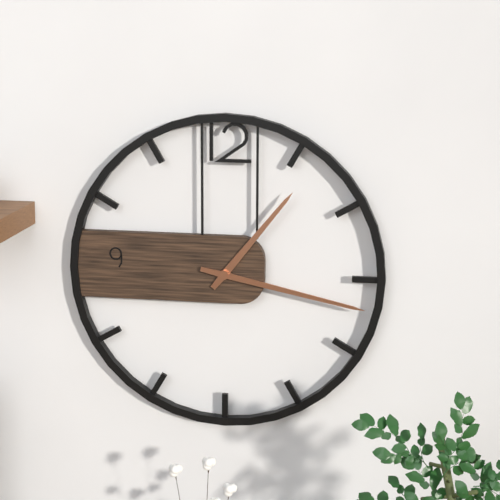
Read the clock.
1:17
